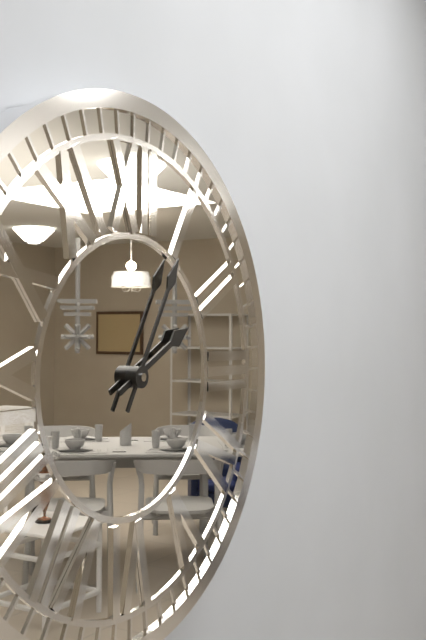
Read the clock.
2:05
